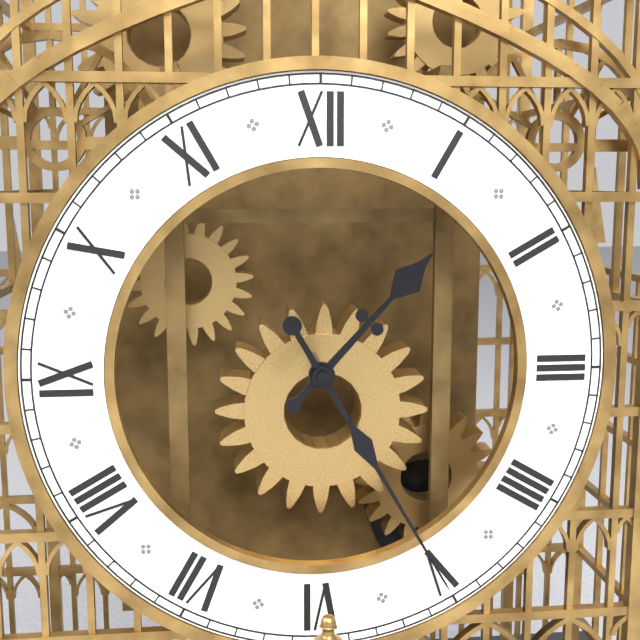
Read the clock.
1:25
